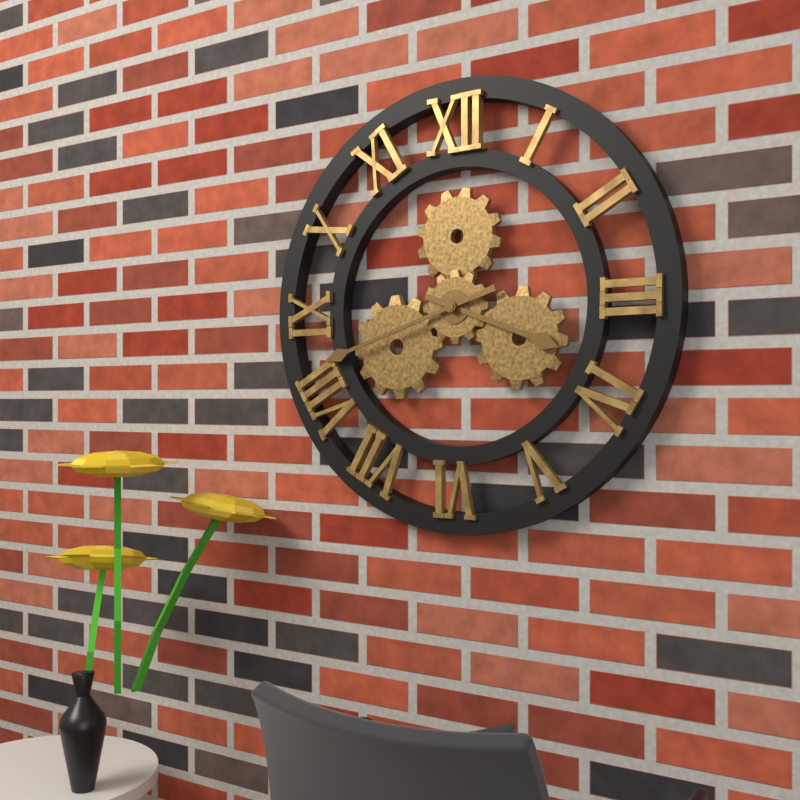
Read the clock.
3:42
